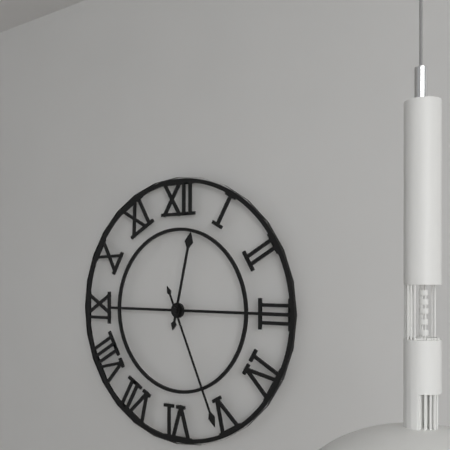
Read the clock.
12:26
